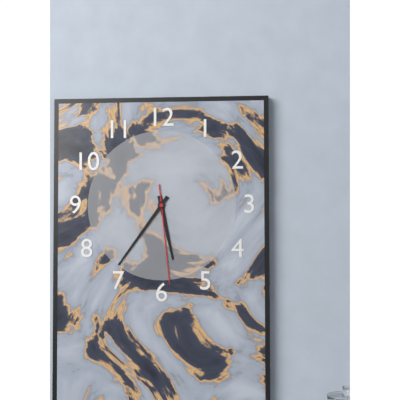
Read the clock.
5:36:29
